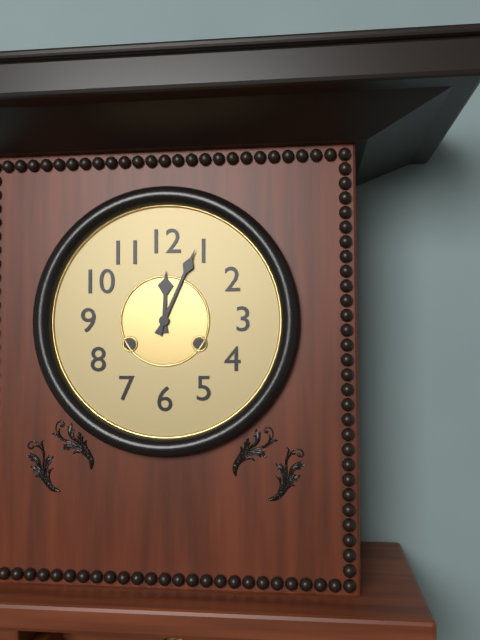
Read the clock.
12:04
